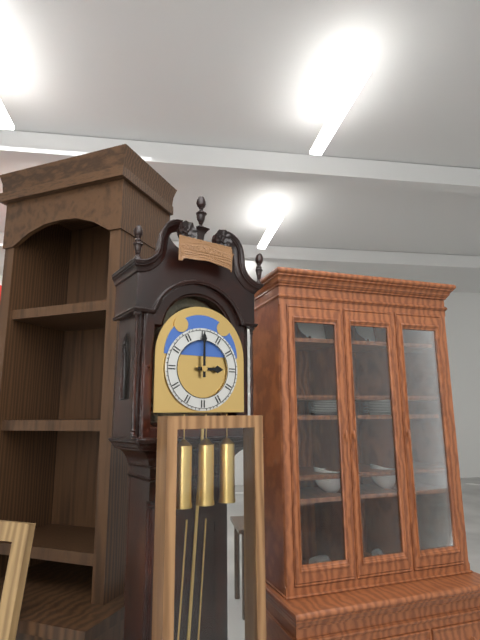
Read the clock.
3:00
